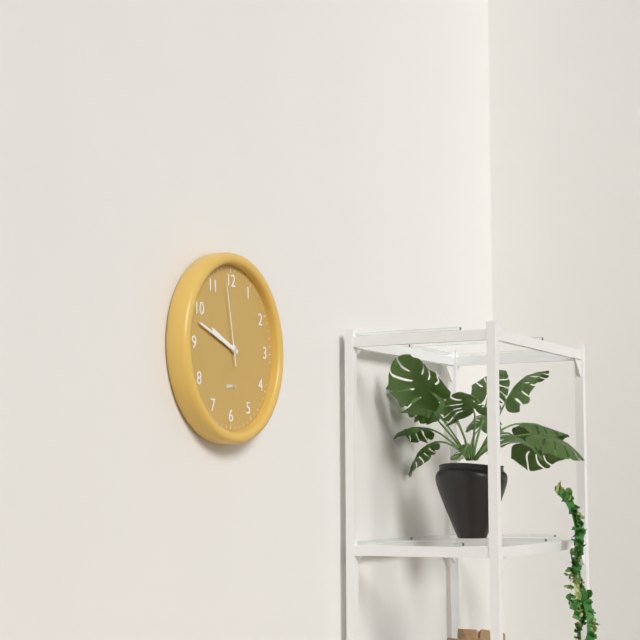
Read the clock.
9:48:58
